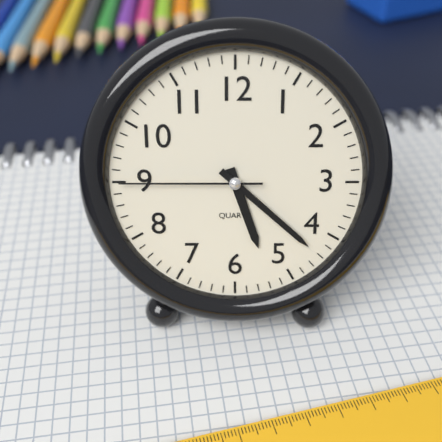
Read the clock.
5:22:45
